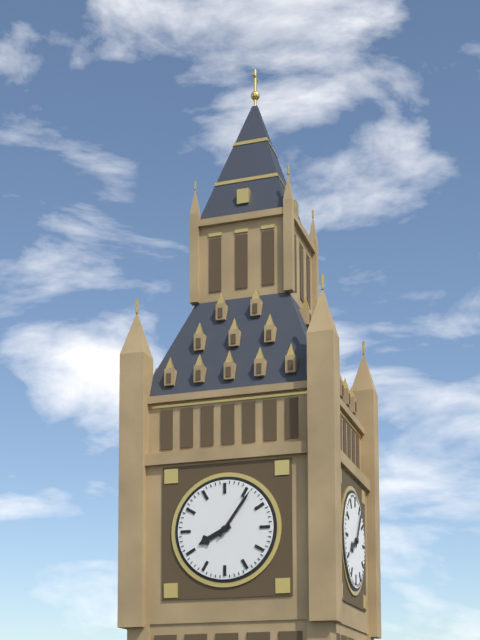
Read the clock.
8:06
